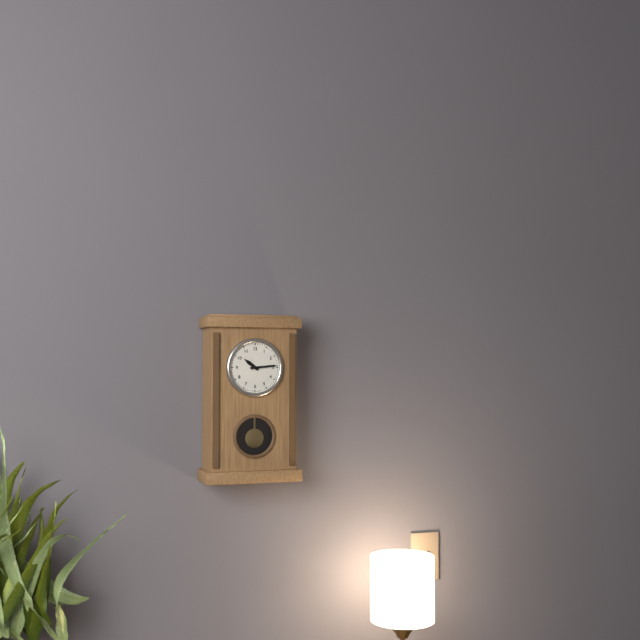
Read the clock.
10:14
